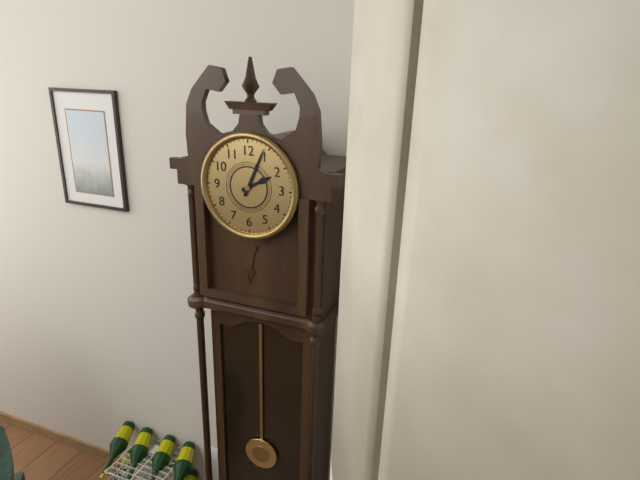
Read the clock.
2:04
